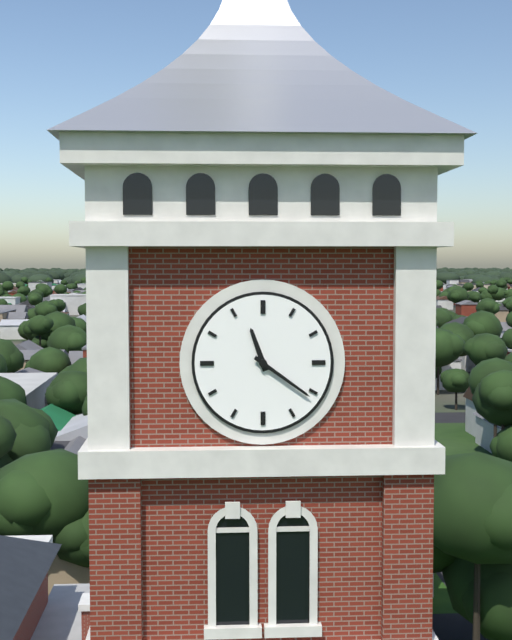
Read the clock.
11:21
